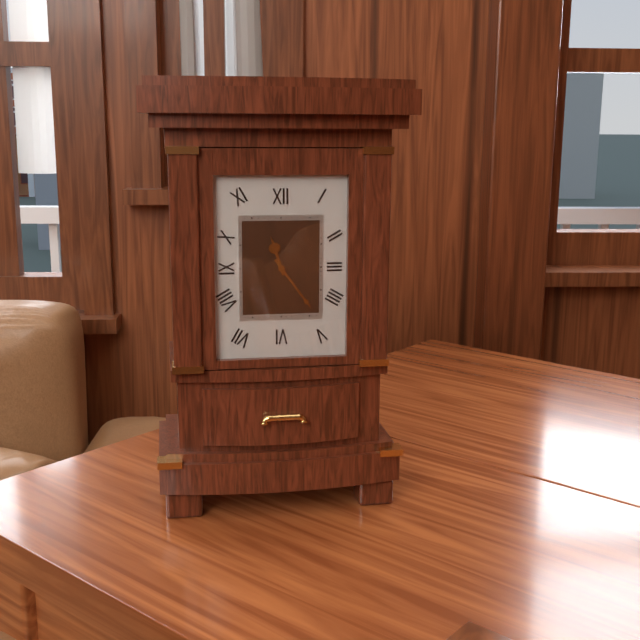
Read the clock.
11:24
